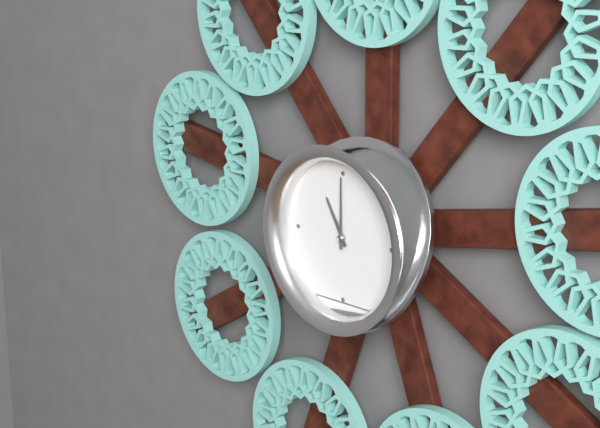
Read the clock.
11:00
